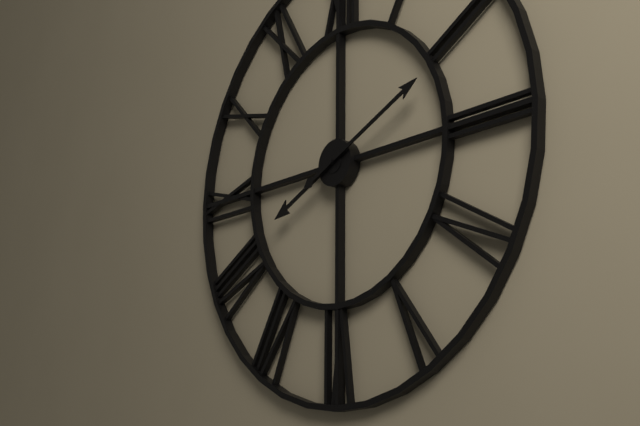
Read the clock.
8:11
